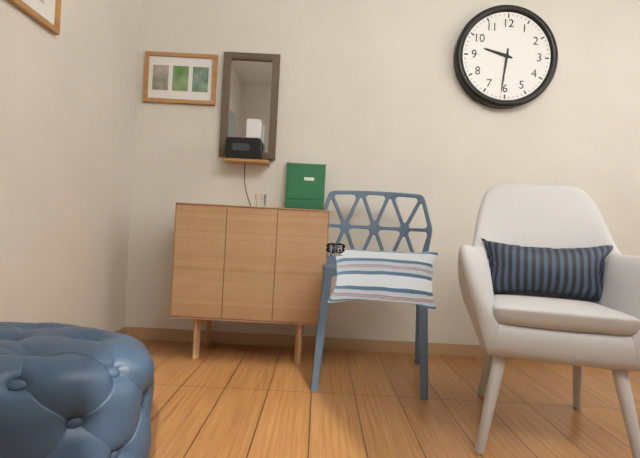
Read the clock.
9:31
